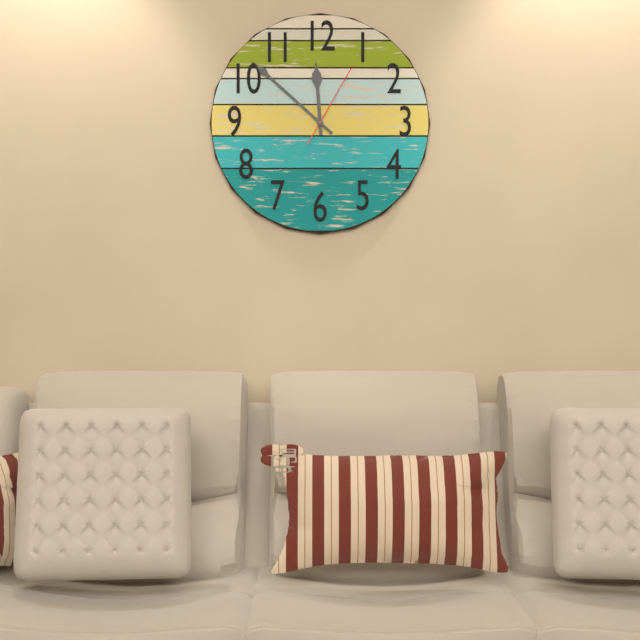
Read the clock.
11:52:05
